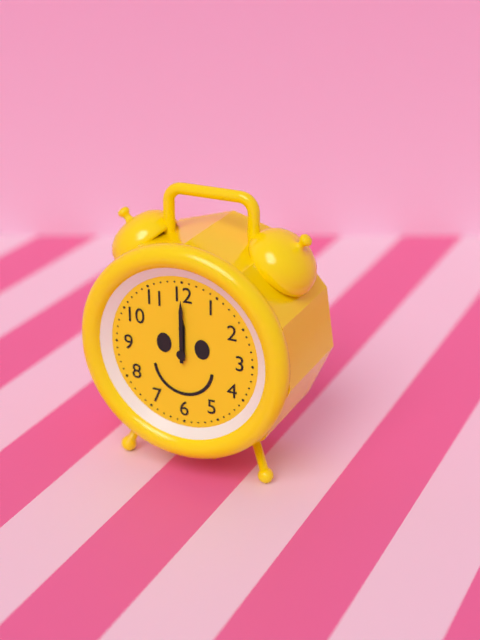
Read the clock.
12:00
